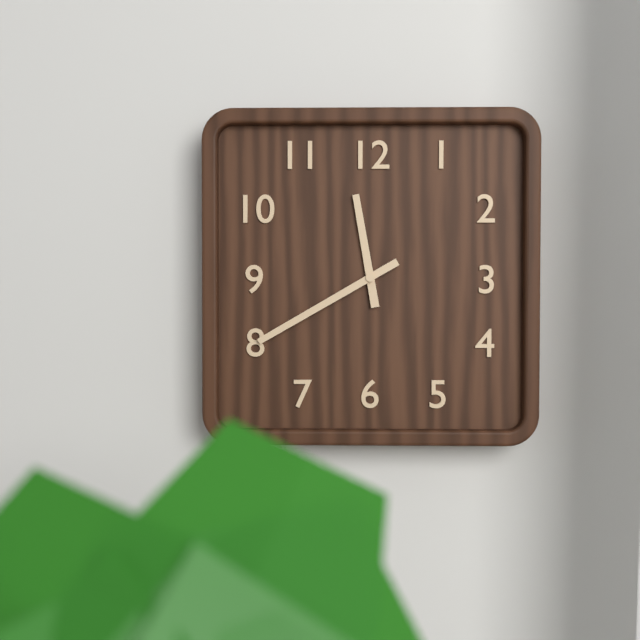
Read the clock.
11:40
